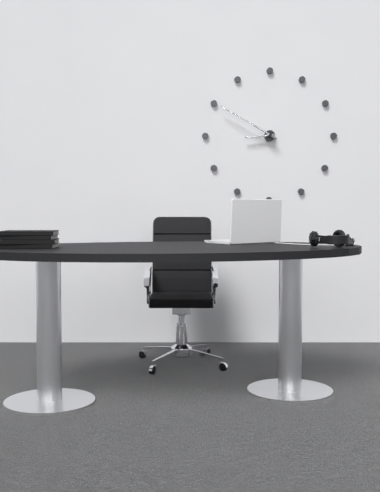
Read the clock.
8:50
